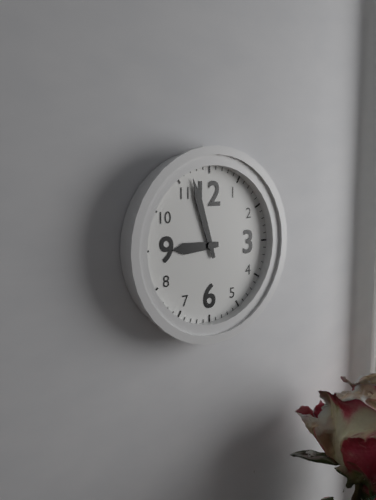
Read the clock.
8:57
